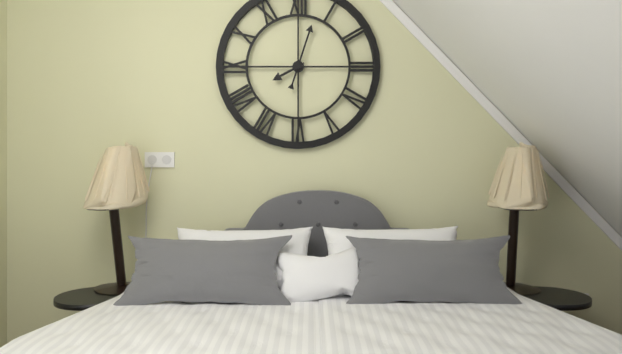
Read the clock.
8:03
